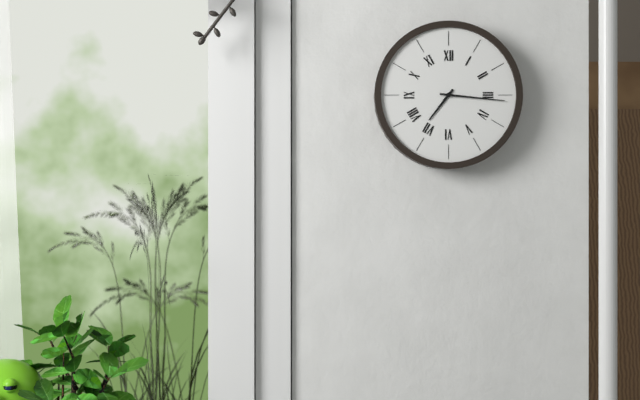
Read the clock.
7:16
